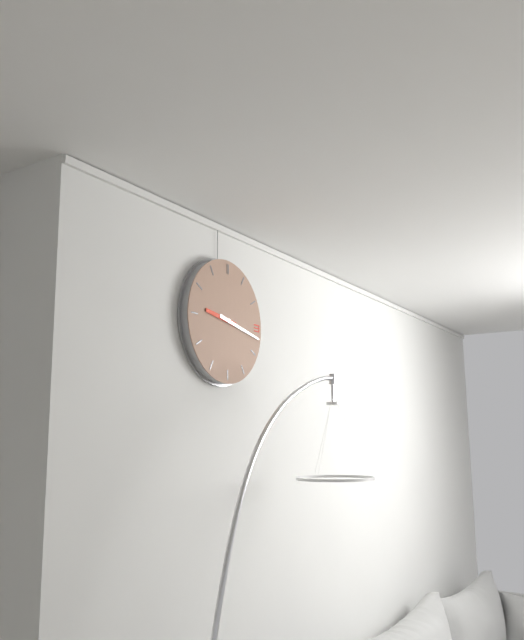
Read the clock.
9:17
